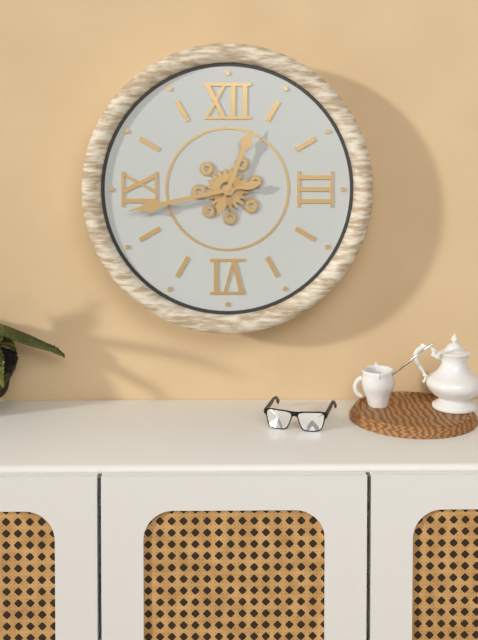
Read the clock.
12:43
